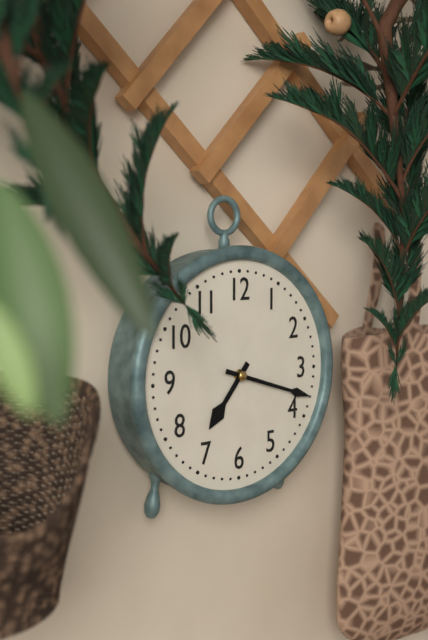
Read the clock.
7:18
